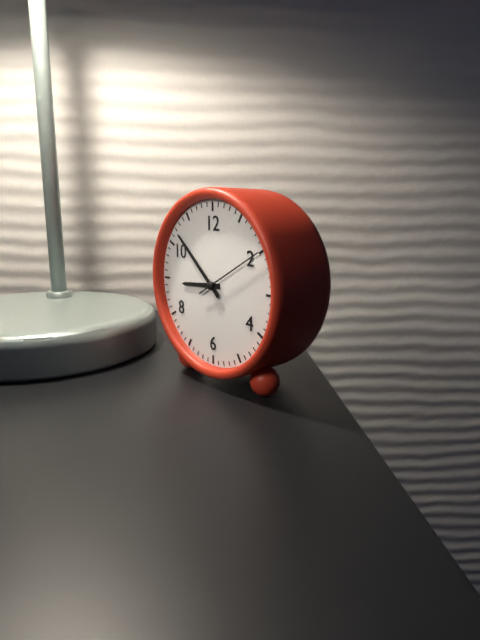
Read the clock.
8:52:10
